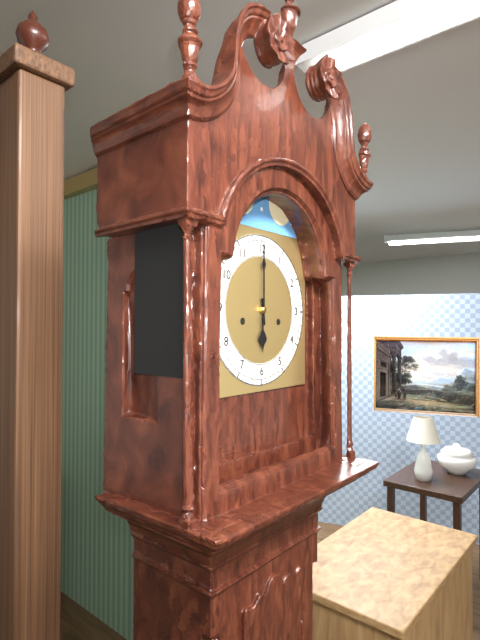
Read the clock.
6:00
